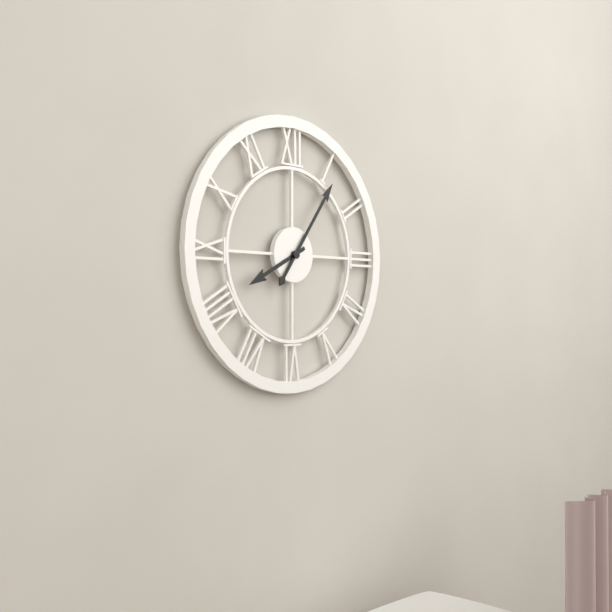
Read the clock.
8:06
